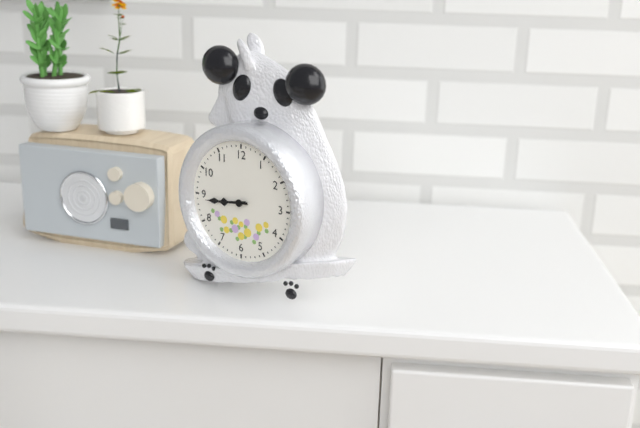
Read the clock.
8:44
